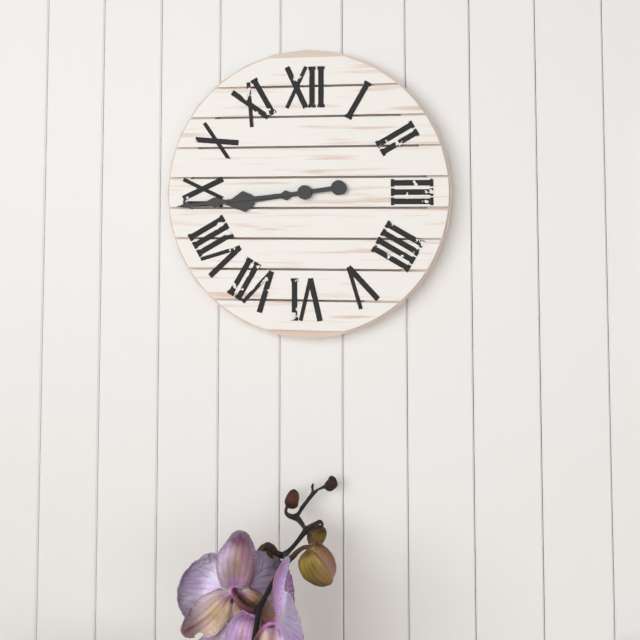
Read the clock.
8:44
